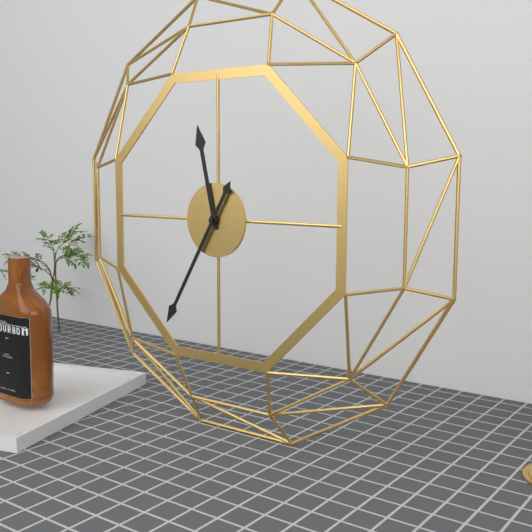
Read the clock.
11:35
